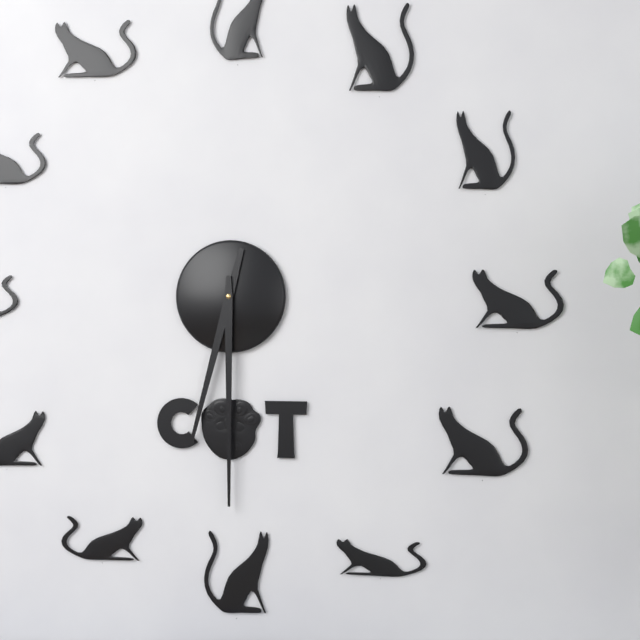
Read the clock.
6:30
